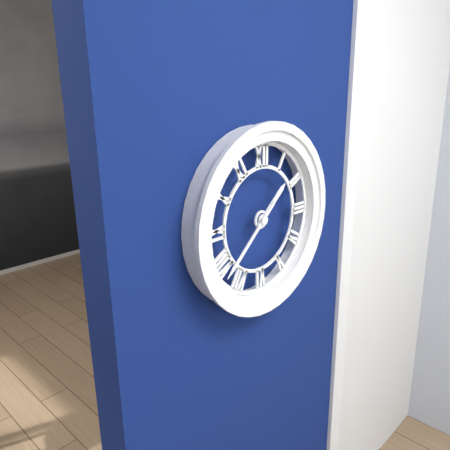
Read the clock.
1:38
